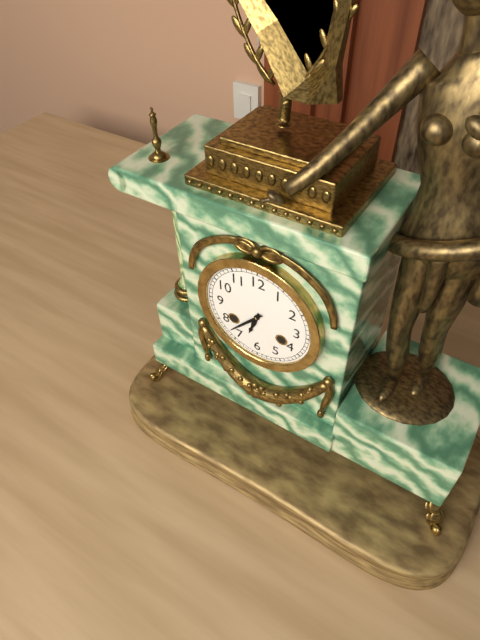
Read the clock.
6:37
